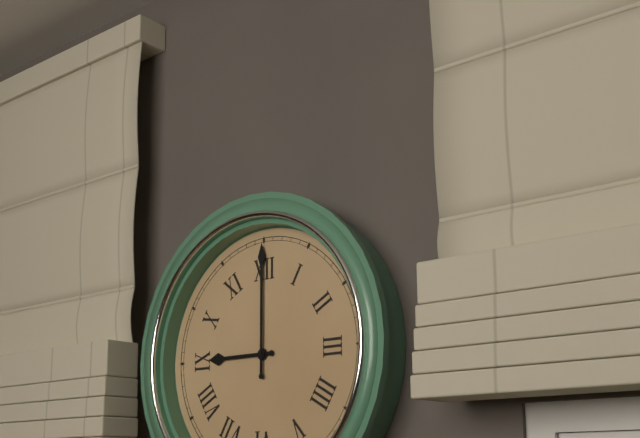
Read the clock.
9:00
